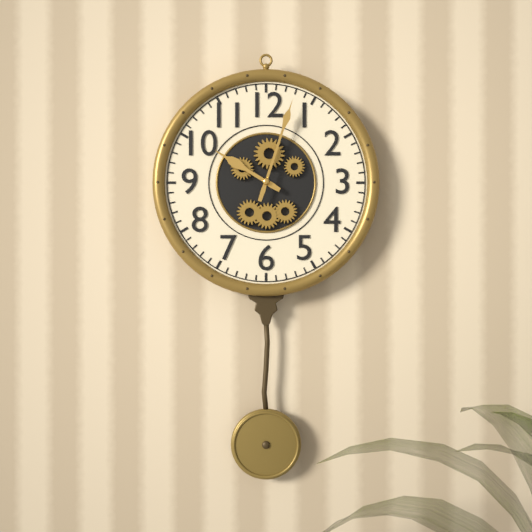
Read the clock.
10:03
